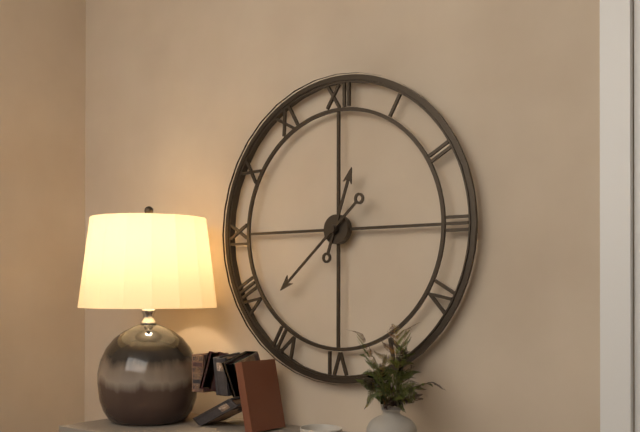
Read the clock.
12:38
